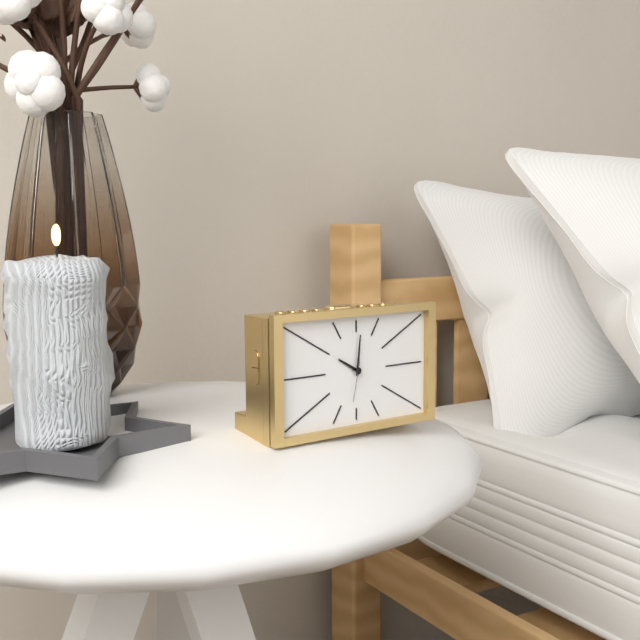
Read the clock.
10:01
